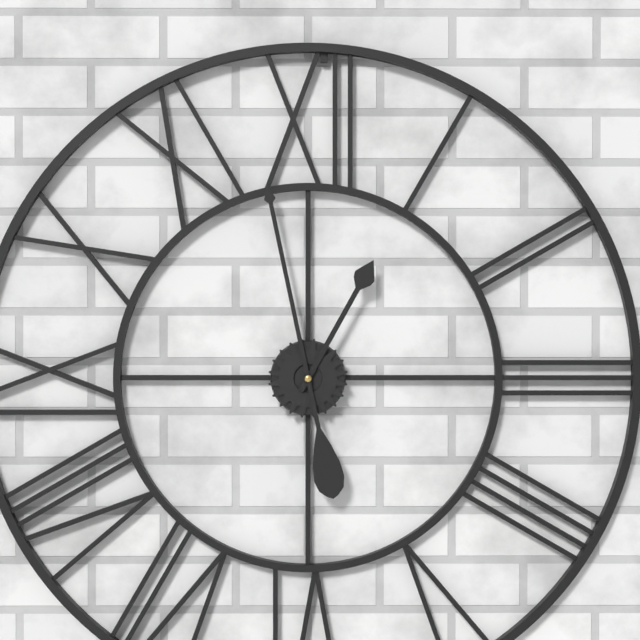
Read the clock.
12:58
